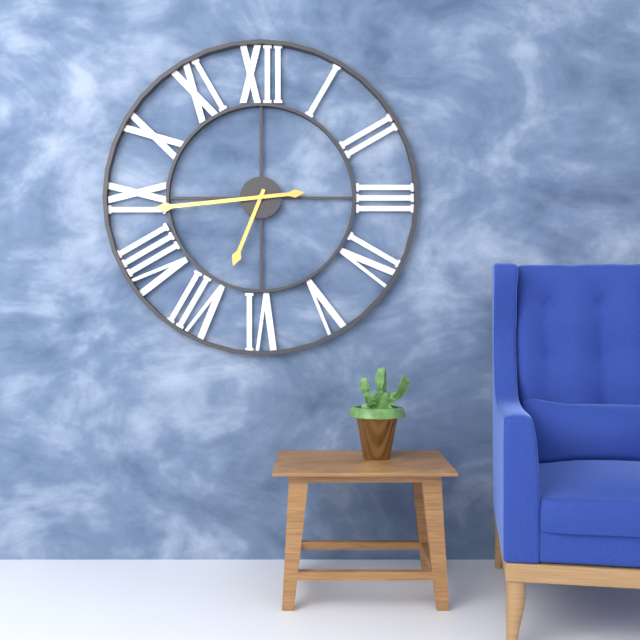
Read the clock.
6:44
